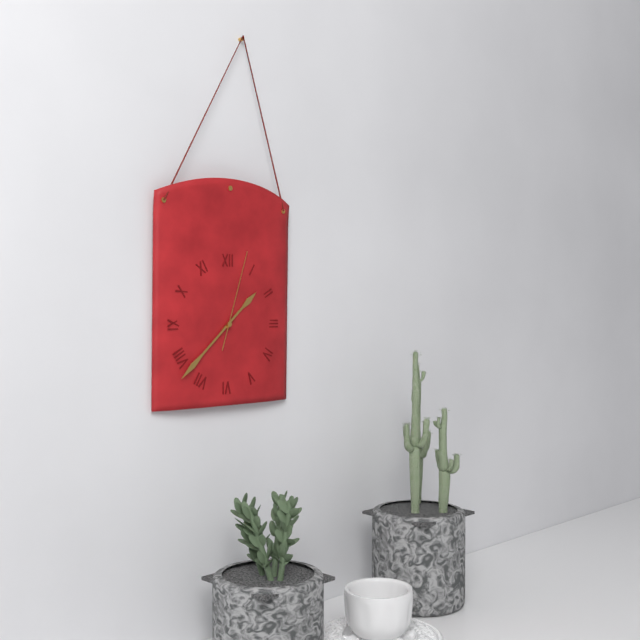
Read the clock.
1:38:03
